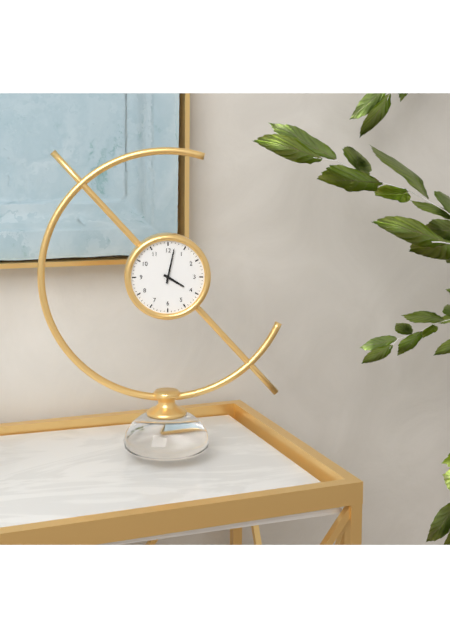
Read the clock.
4:02
